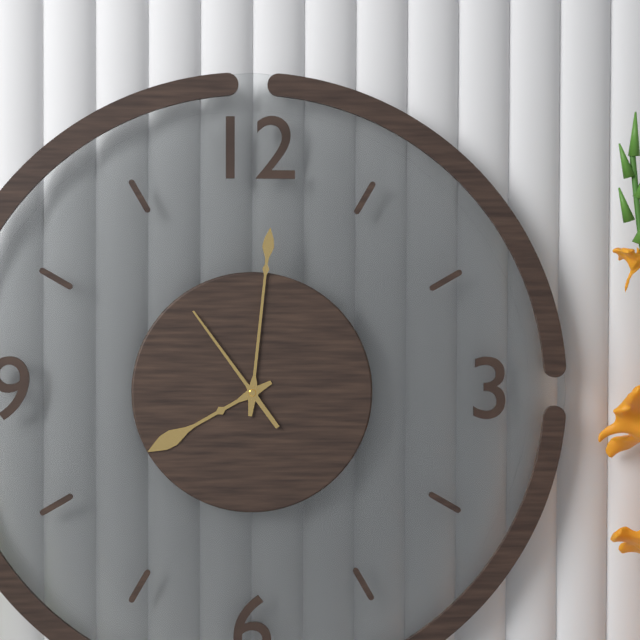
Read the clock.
8:01:54
